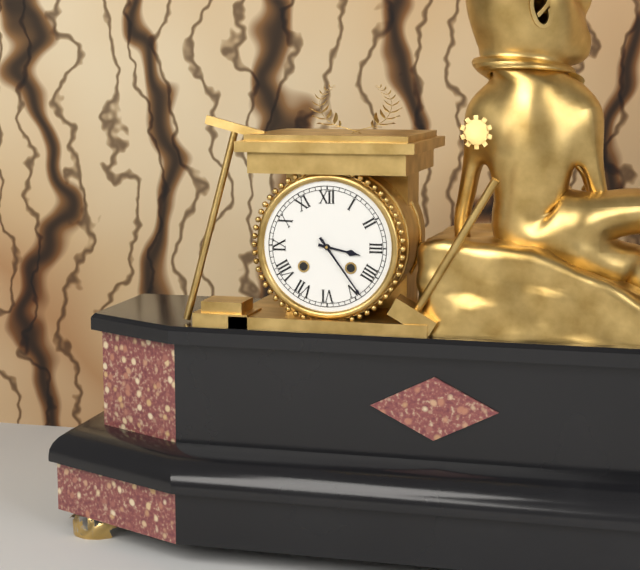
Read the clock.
3:24
